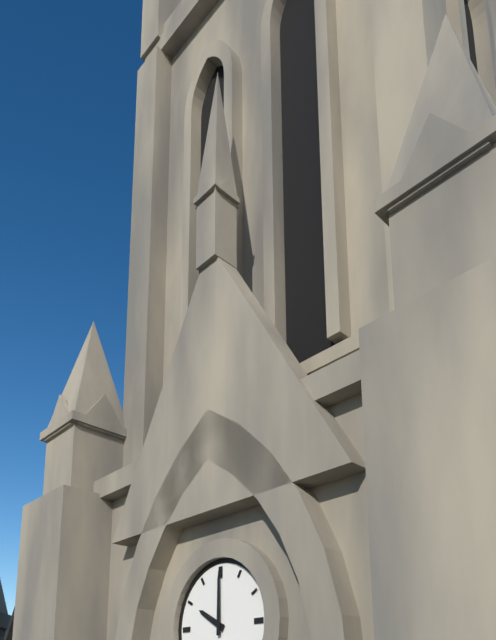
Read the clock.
10:00
